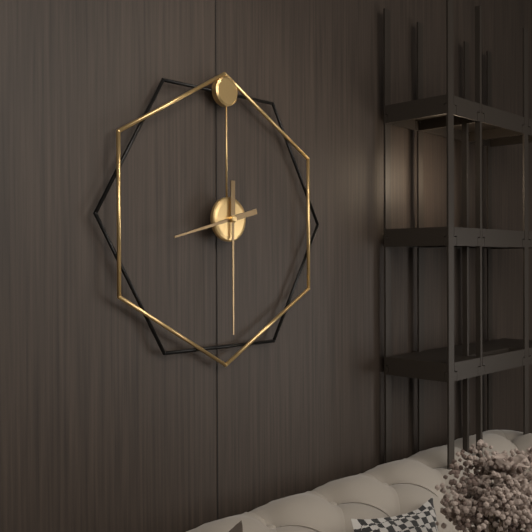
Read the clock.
8:30
